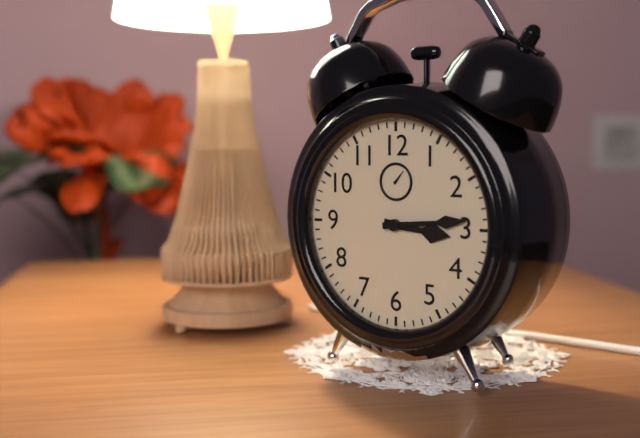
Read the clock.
3:14
